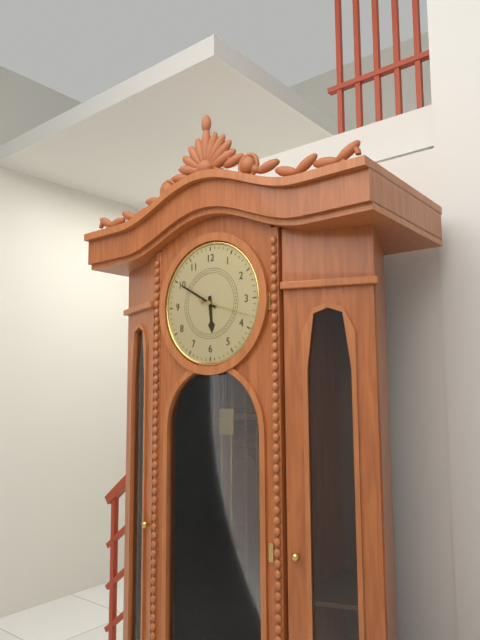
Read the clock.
5:50
